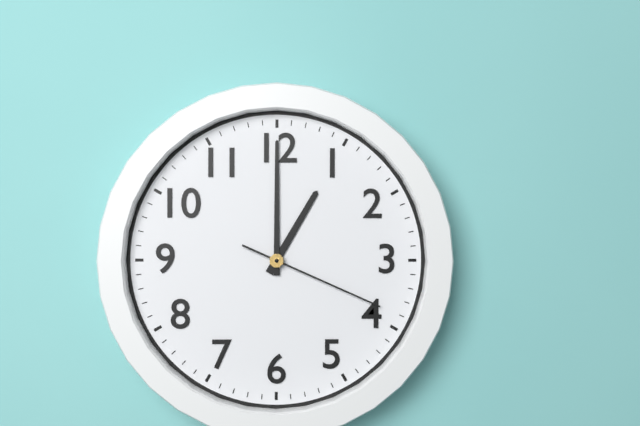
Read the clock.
1:00:19
